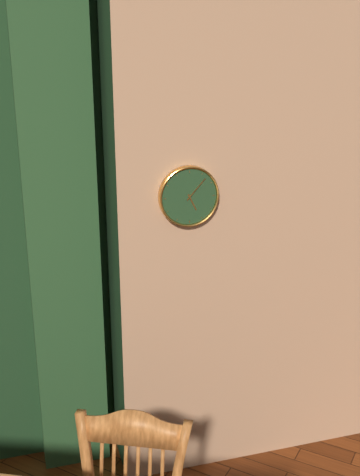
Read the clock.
5:07
